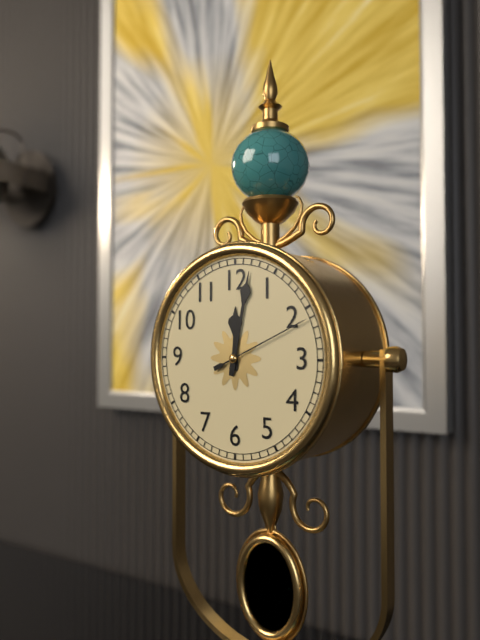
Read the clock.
12:02:11
